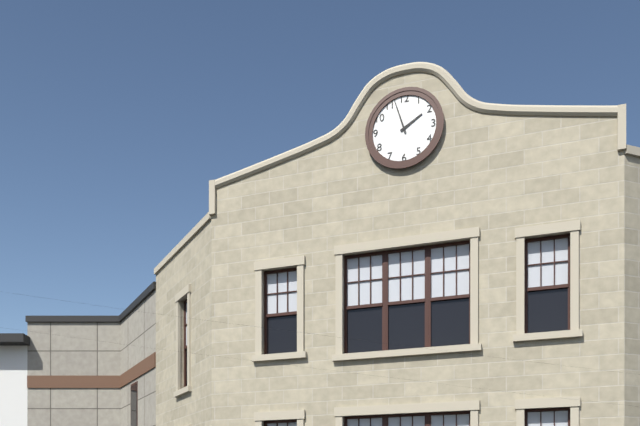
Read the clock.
1:57
